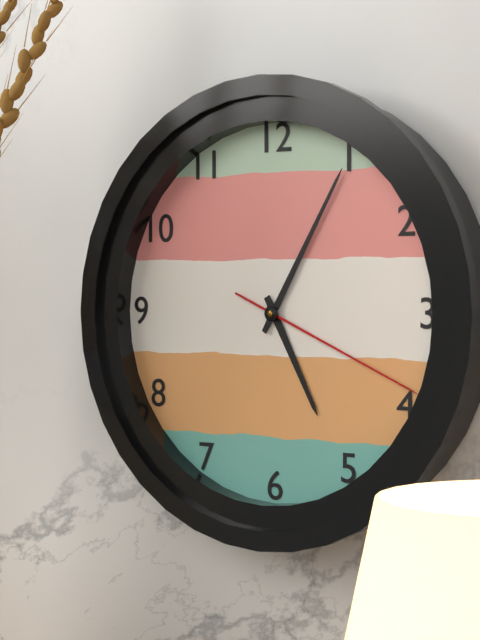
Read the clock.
5:05:19
